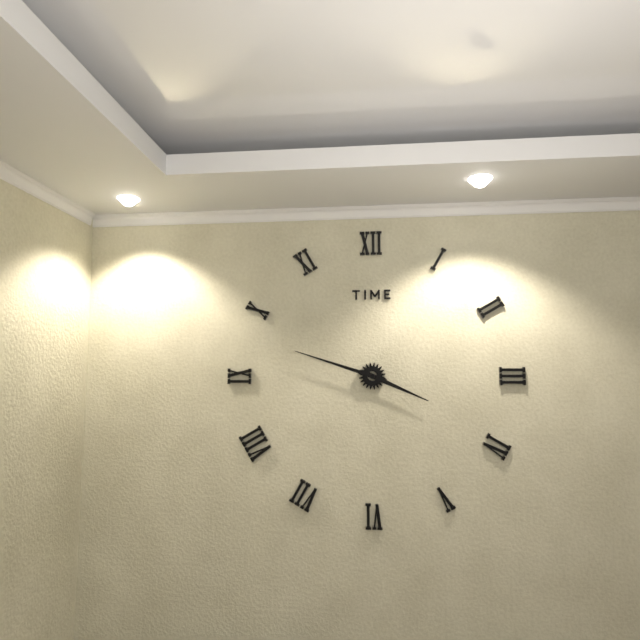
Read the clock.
3:48
